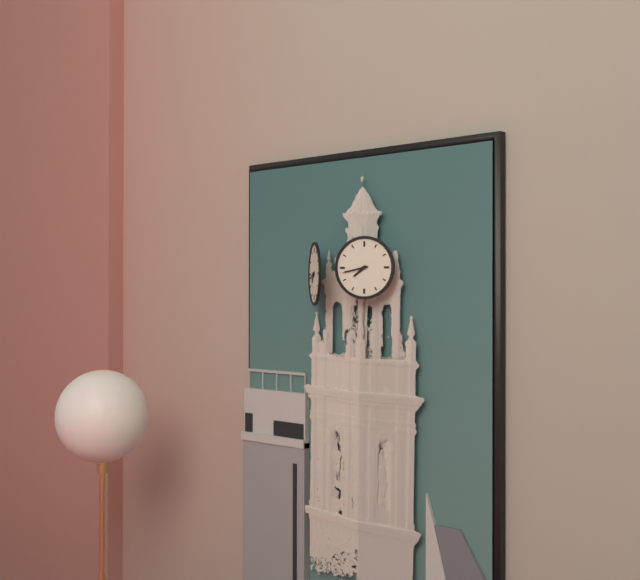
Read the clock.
7:43
